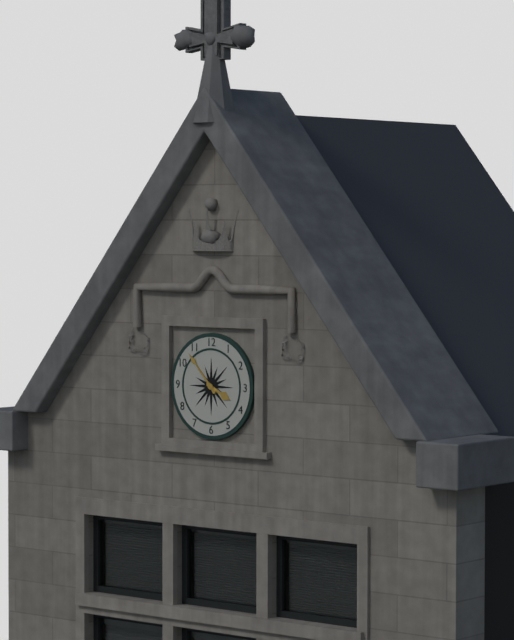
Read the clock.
3:53
